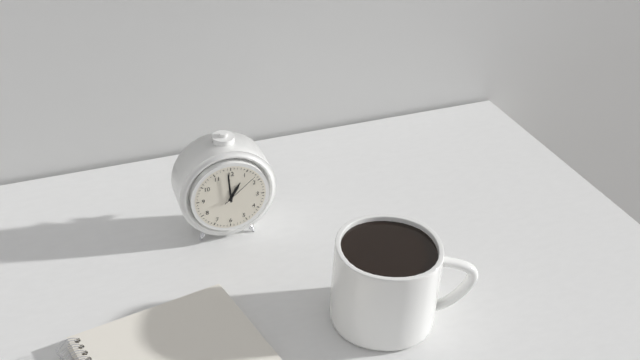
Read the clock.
12:59
